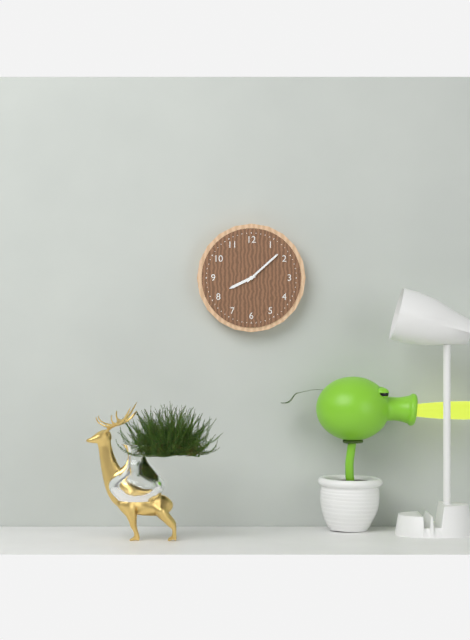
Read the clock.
8:08
